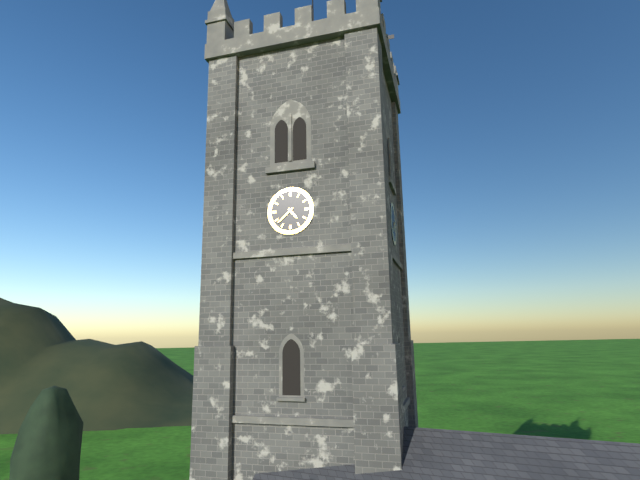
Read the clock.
4:38
